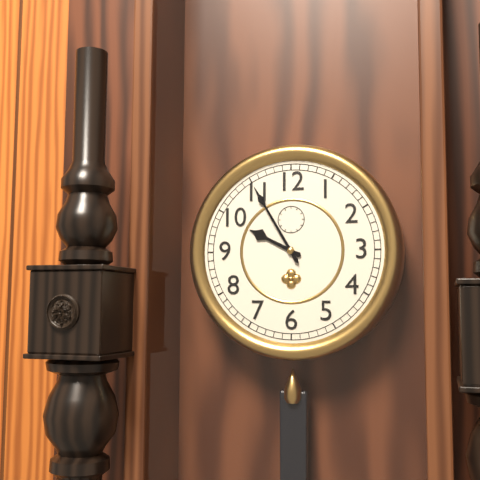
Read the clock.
9:55
